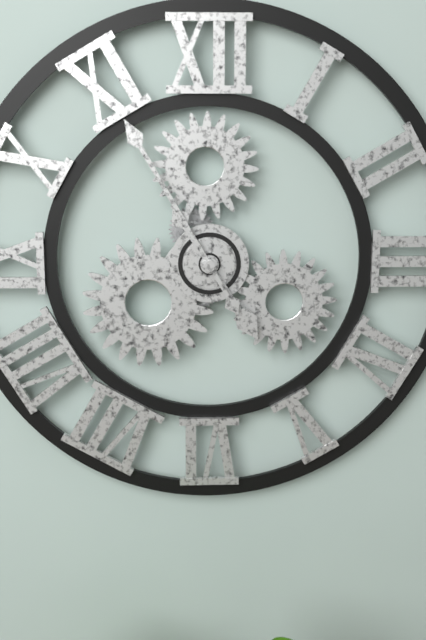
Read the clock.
4:55
